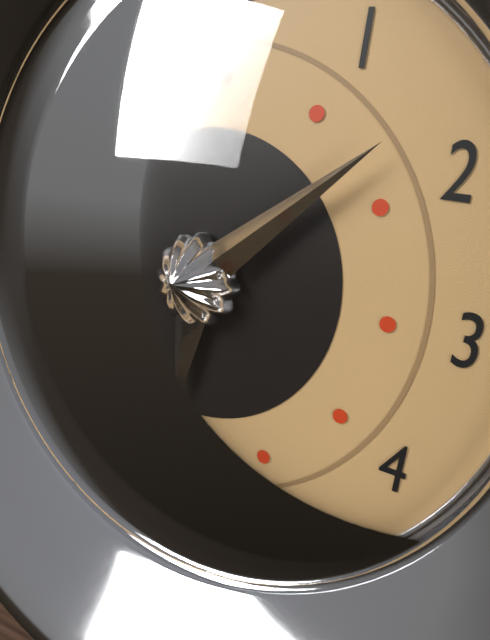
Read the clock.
6:08
